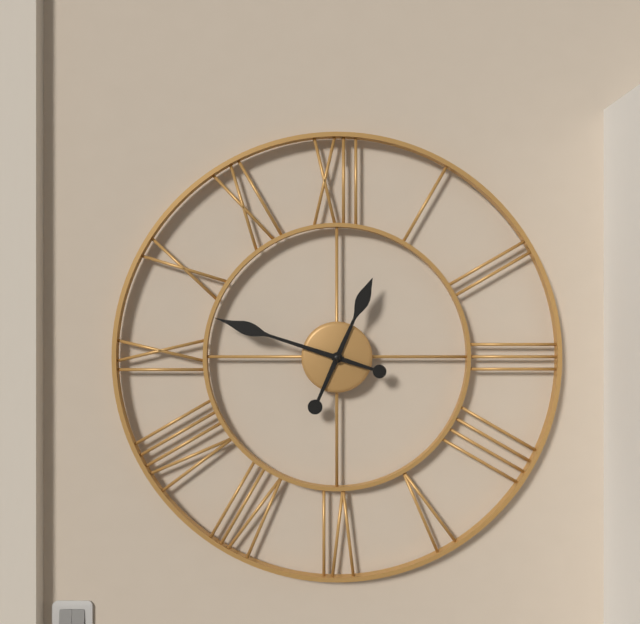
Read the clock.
12:48
